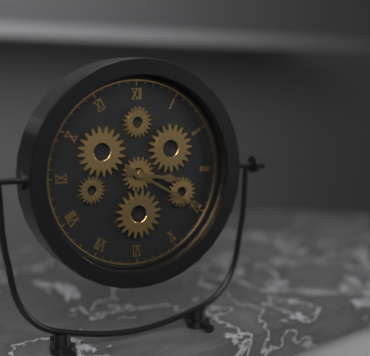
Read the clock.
3:20
